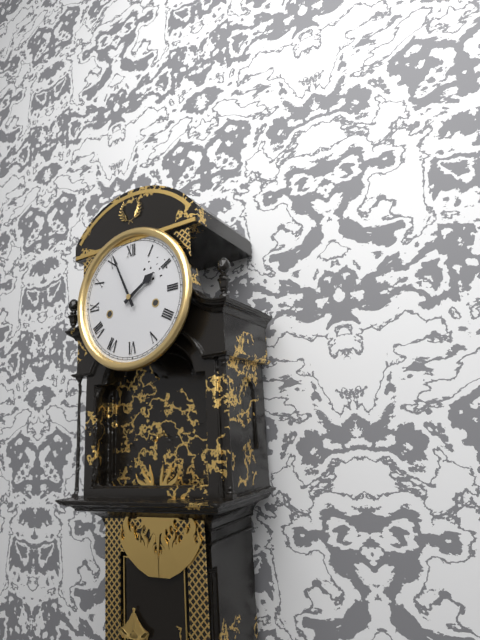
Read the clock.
1:56
